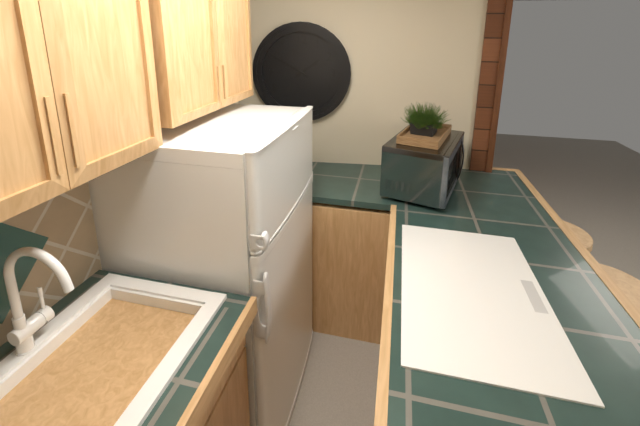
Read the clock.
1:50
